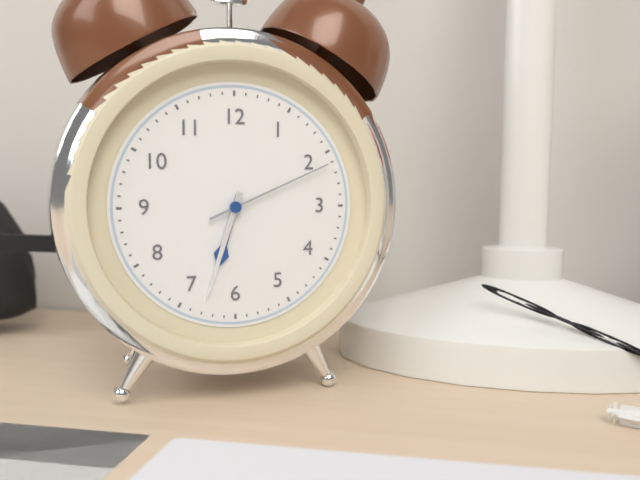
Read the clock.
6:33:11
